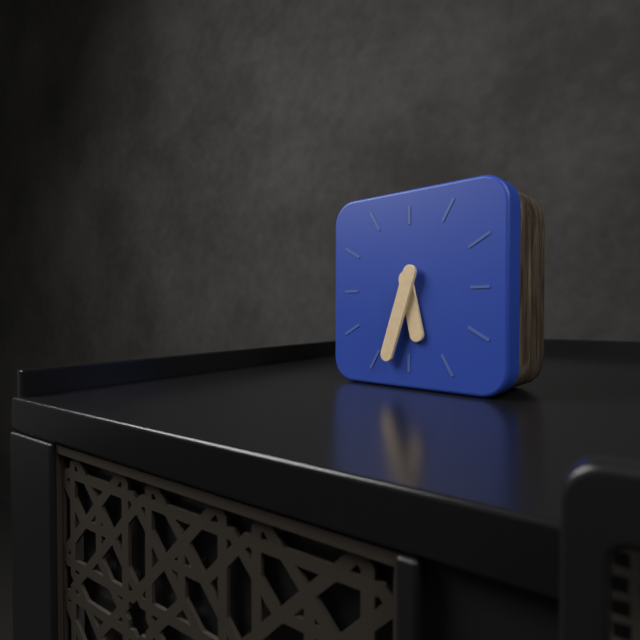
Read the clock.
5:33
